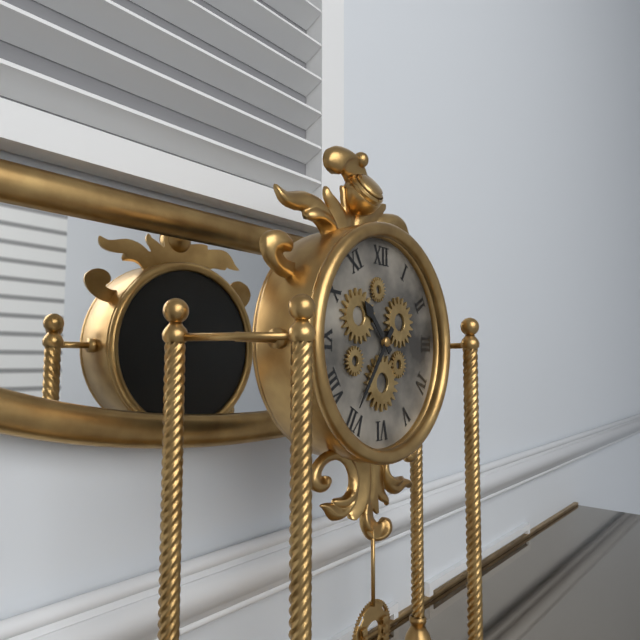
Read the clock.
10:36
